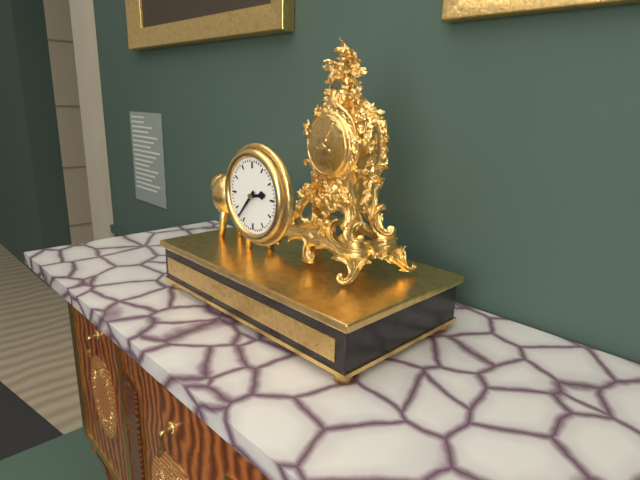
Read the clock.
2:37
